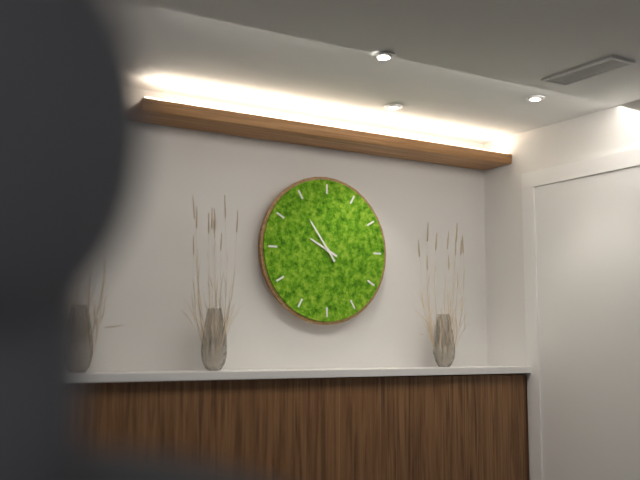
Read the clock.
9:54
